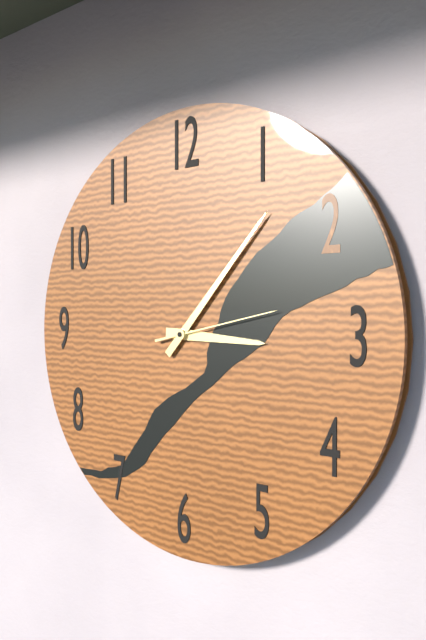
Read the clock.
3:07:13
